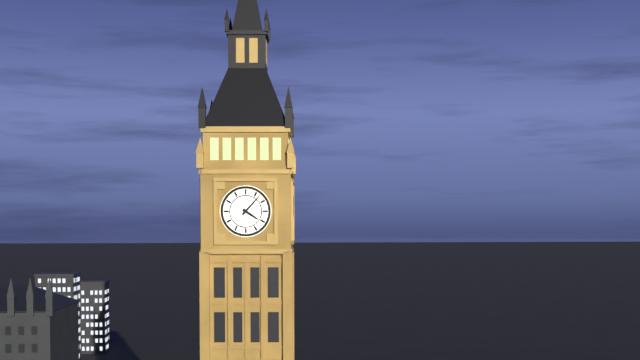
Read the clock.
4:07
